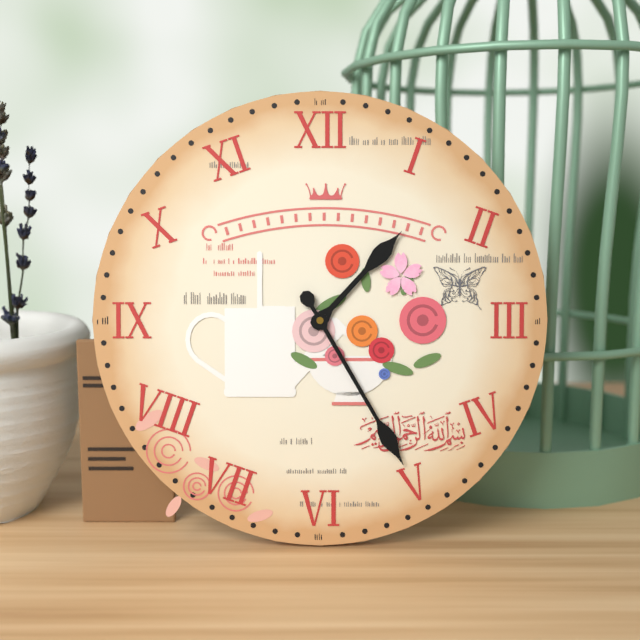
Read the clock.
1:25
